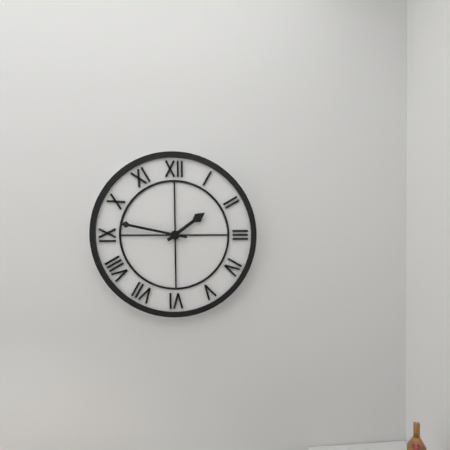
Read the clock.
1:47
